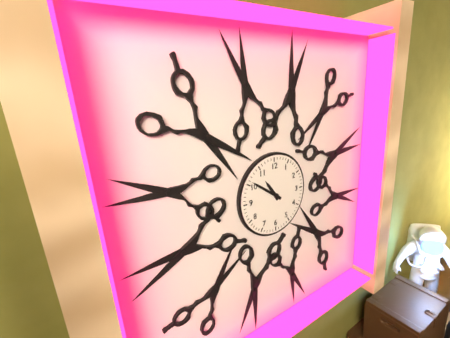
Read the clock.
10:51
